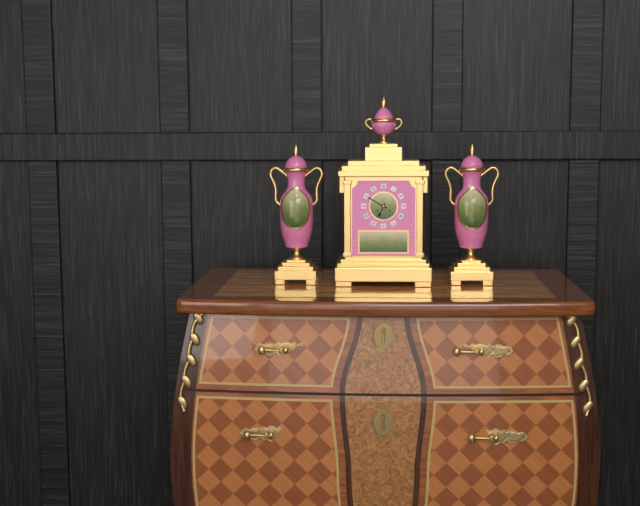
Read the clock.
6:50
